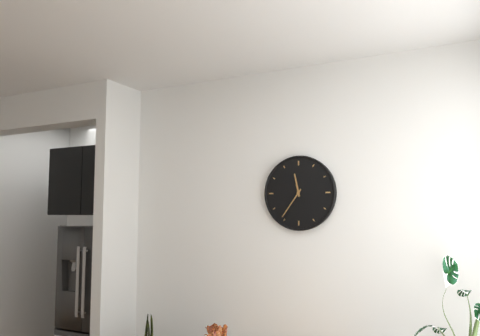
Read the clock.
11:36
